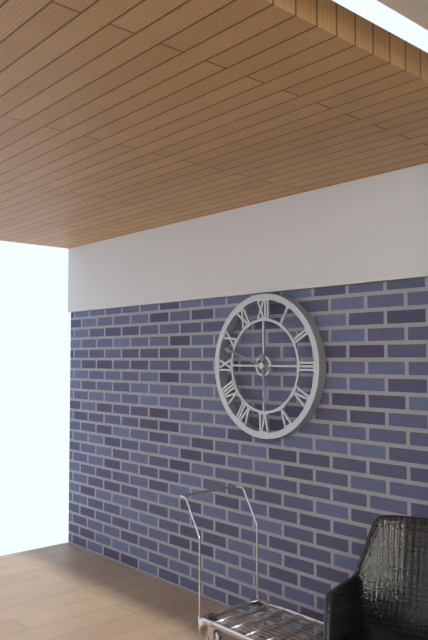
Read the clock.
5:48
